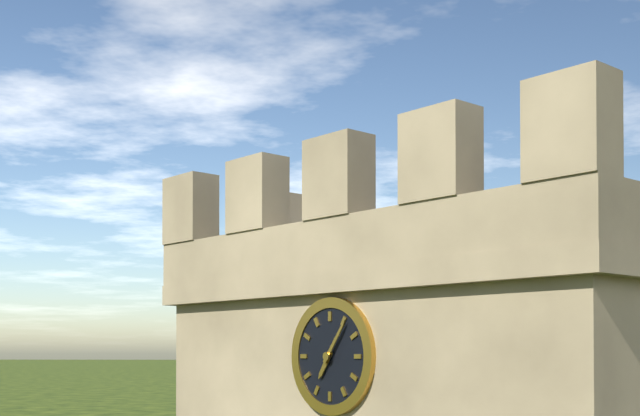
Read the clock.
7:06
